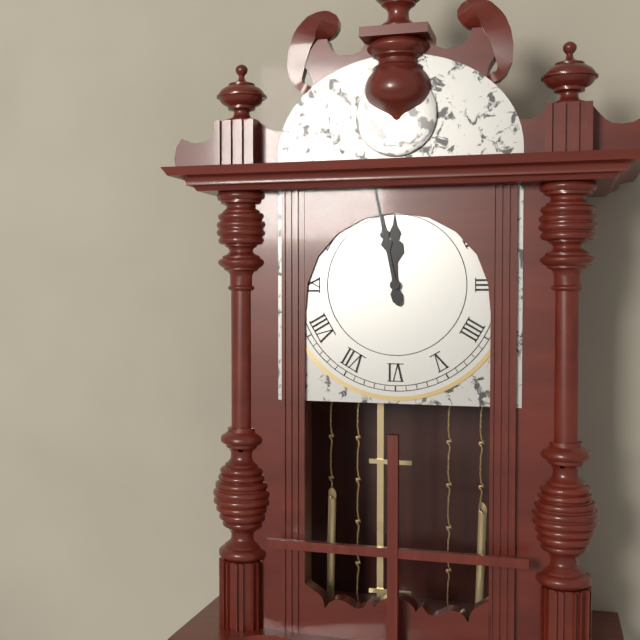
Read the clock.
11:58
